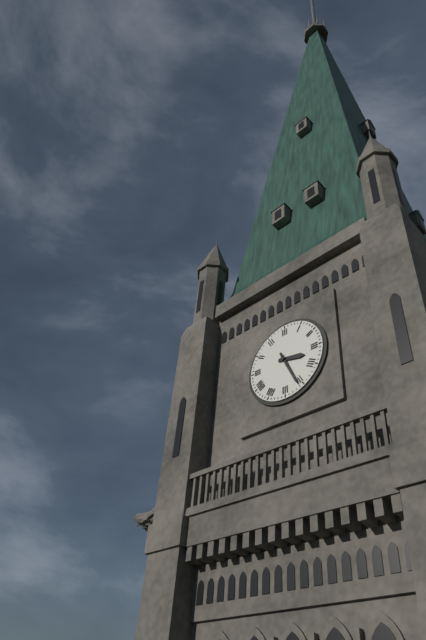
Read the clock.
3:26
